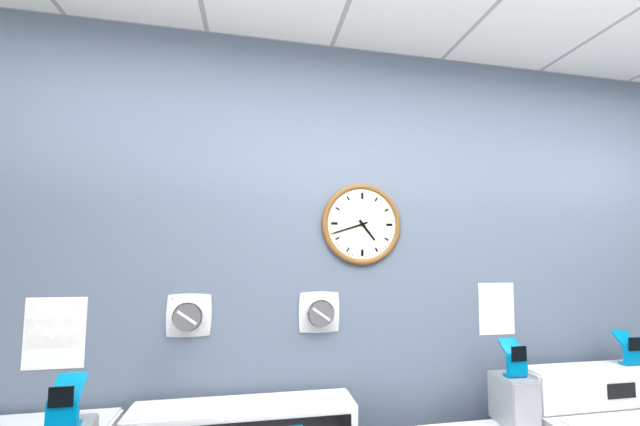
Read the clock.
4:42
